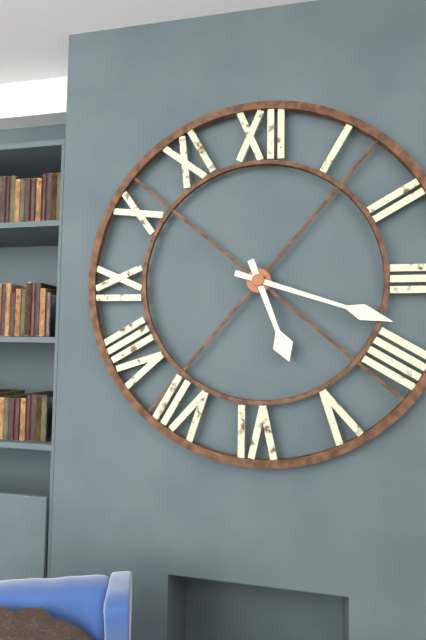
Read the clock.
5:18
